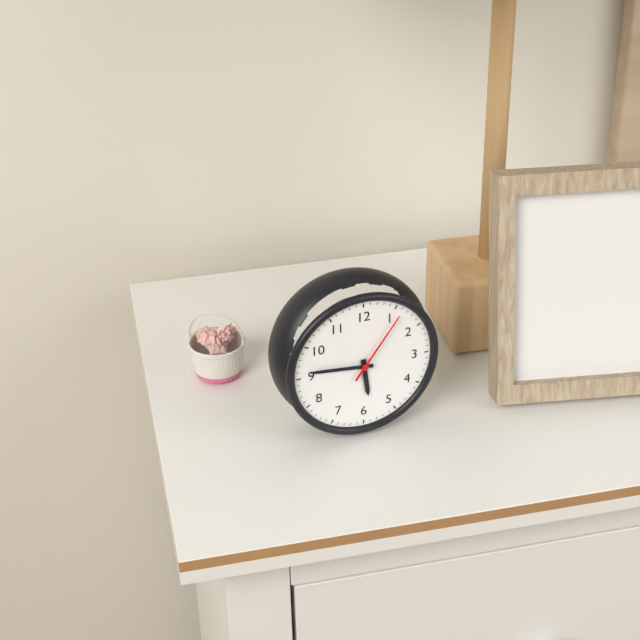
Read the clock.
5:46:06
